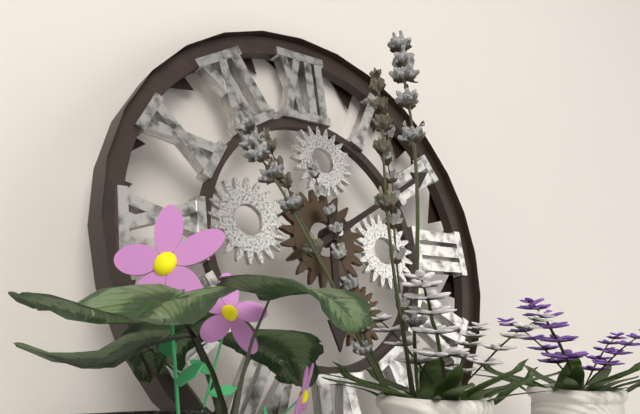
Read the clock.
6:10
